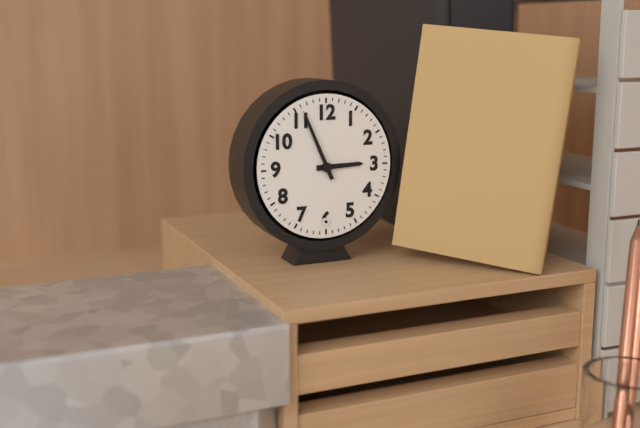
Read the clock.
2:56
